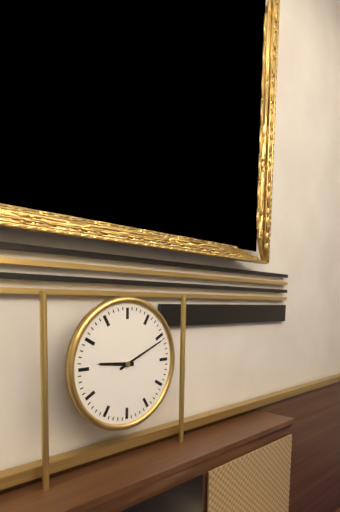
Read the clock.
9:11
